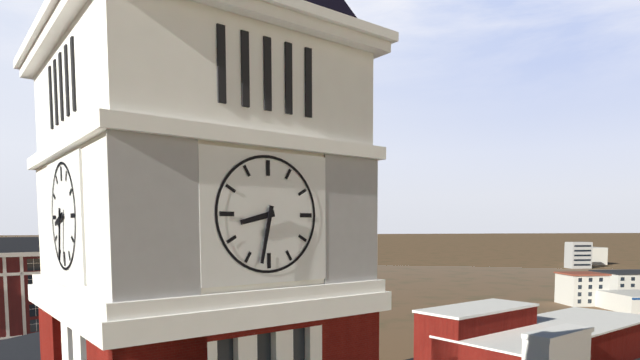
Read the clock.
8:32
